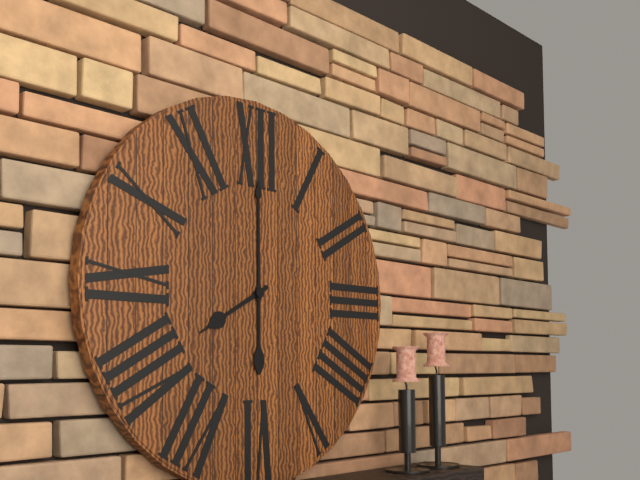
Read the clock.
8:00
